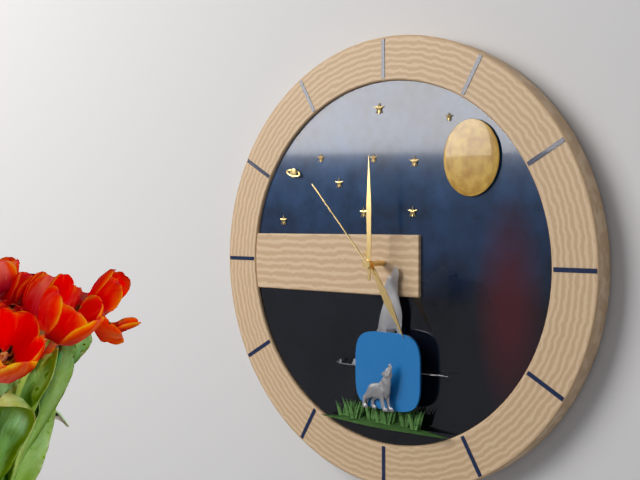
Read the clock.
5:00:53
